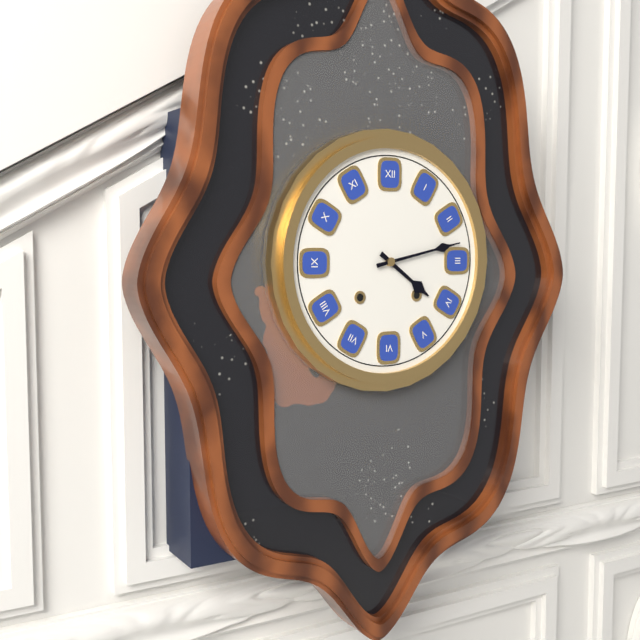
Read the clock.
4:13
